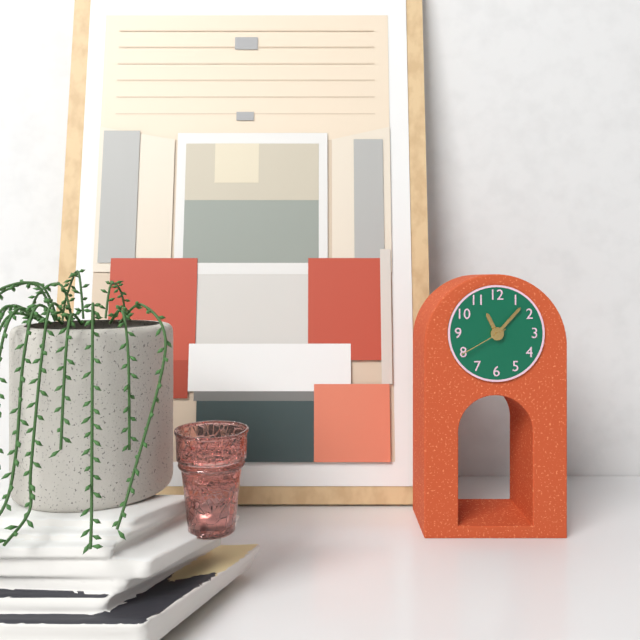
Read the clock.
11:07:40
